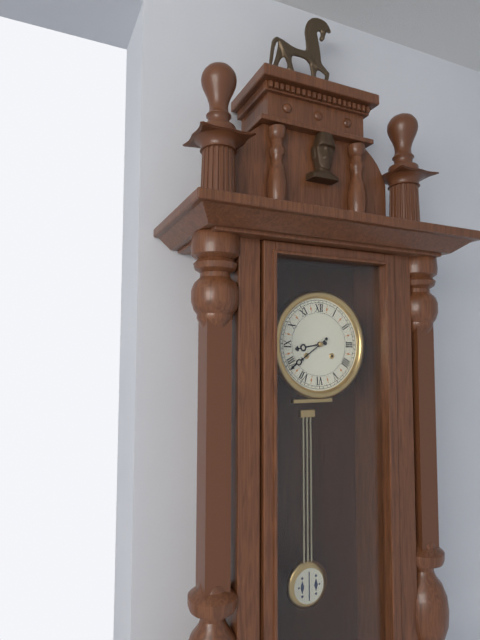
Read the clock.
8:39
